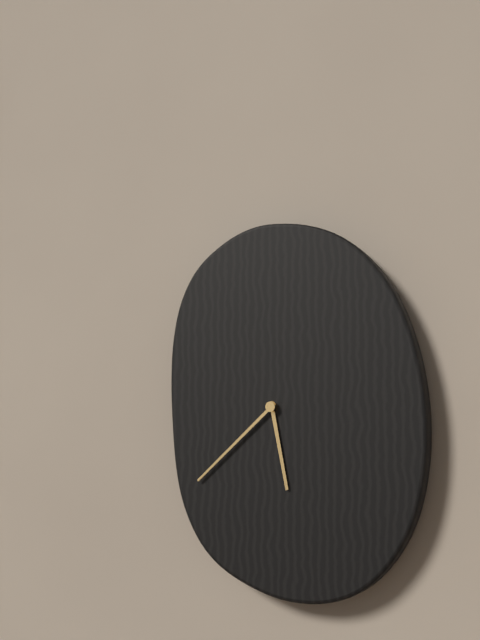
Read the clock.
5:38
